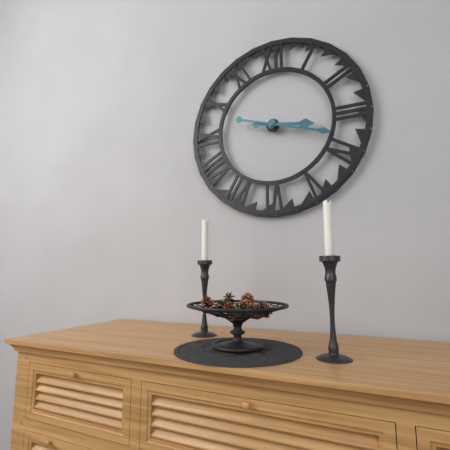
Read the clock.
3:18
